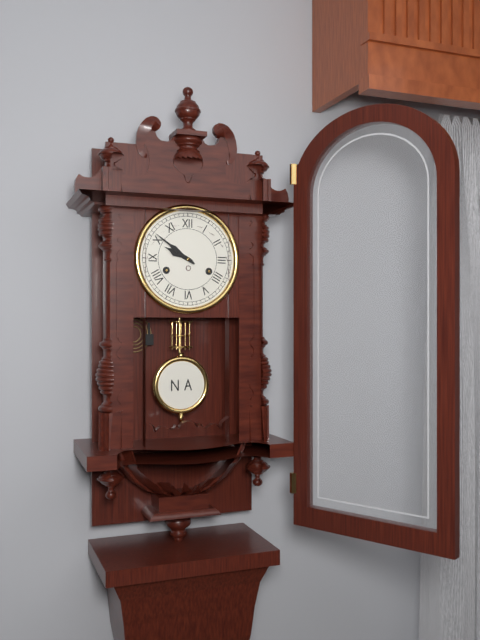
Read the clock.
9:51
